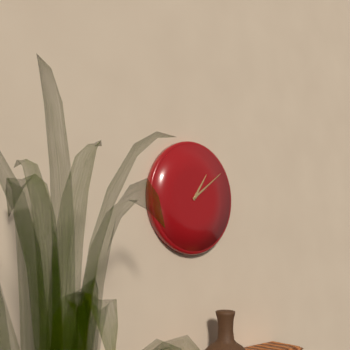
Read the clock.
1:09
